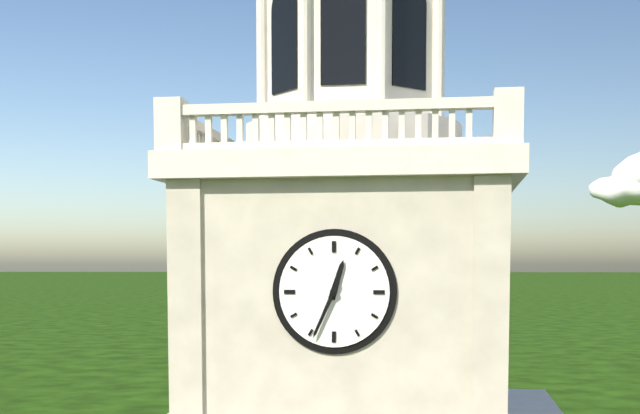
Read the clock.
12:34
